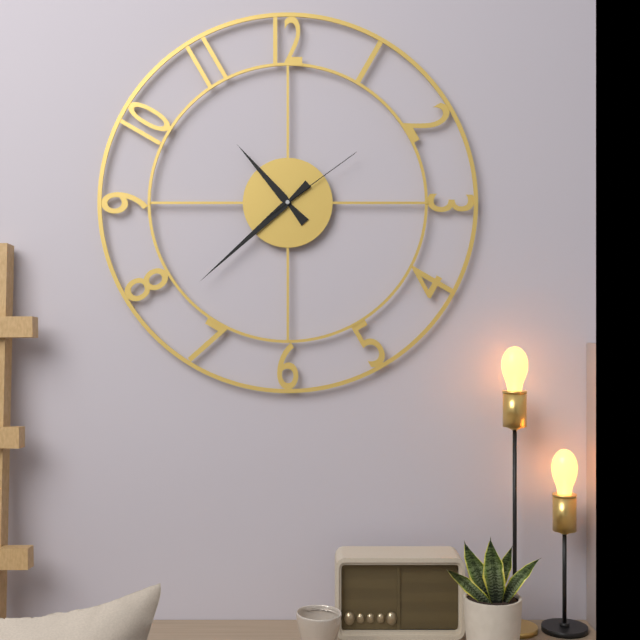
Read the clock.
10:38:09
